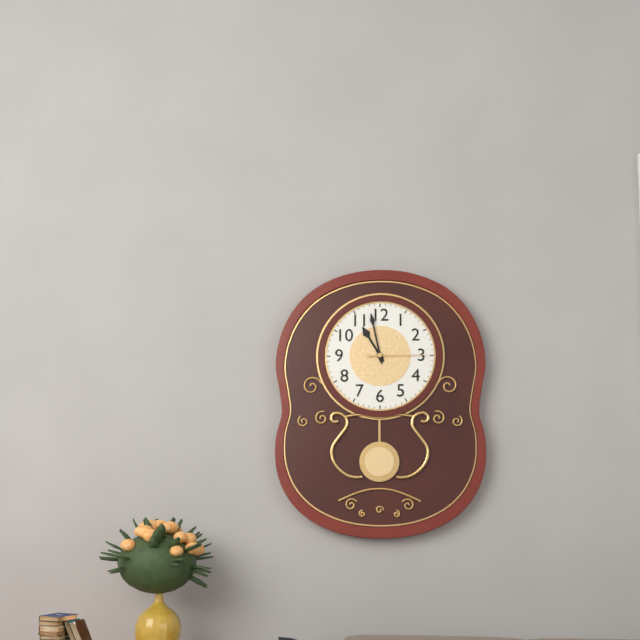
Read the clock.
10:58:15
